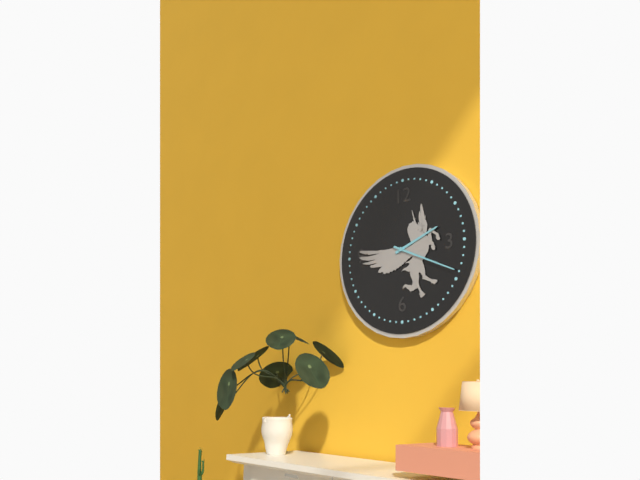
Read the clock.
2:19
